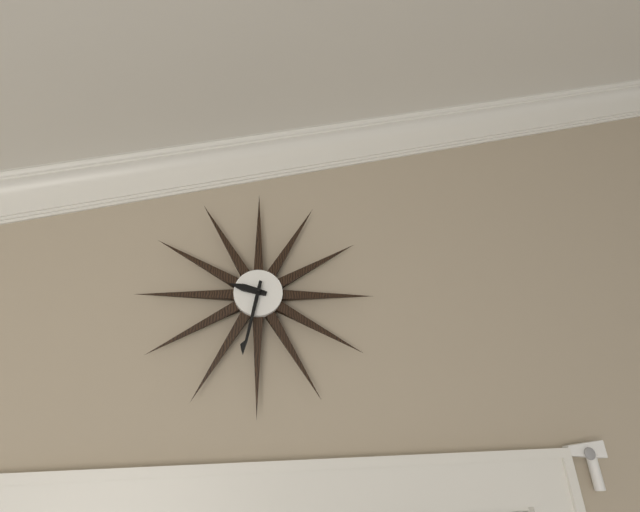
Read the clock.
9:32
